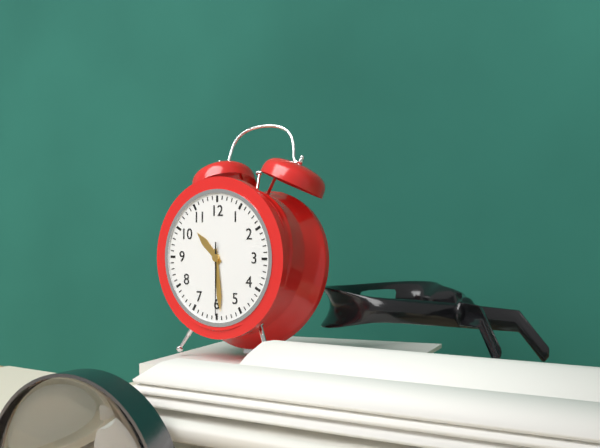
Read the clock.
10:29:30
